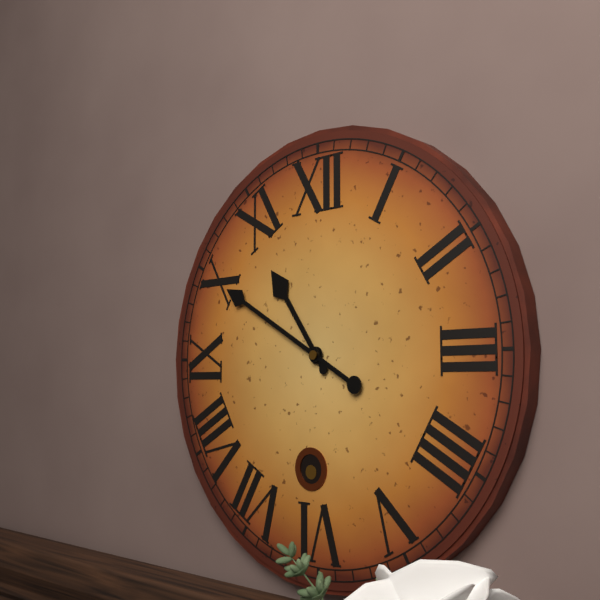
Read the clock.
10:50
